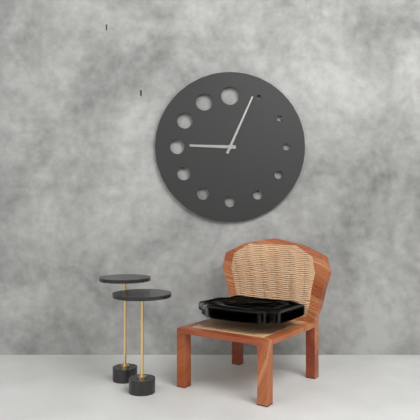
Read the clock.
9:04
